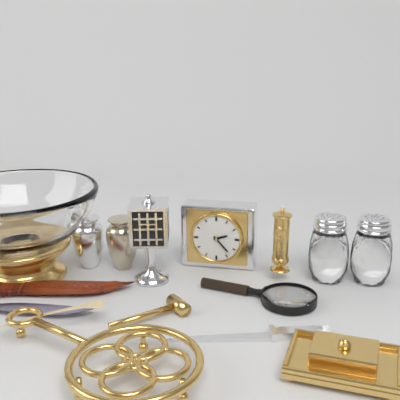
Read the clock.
2:23
